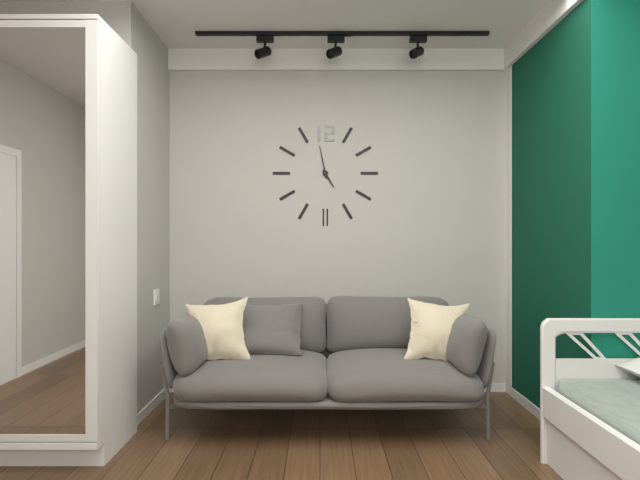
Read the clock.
4:58
